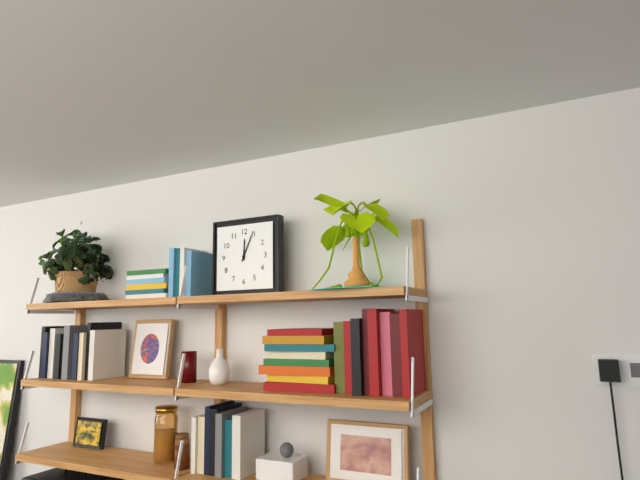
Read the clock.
12:04
